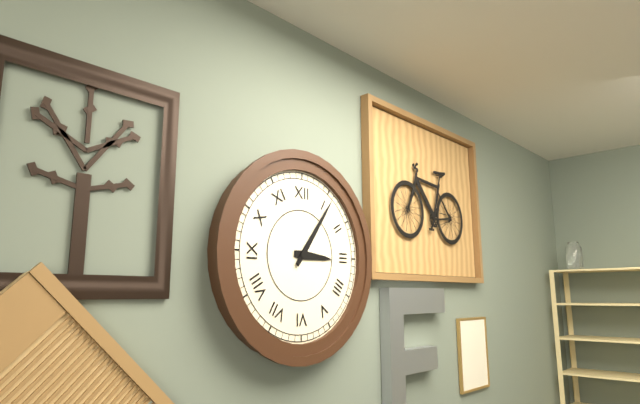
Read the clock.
3:06
